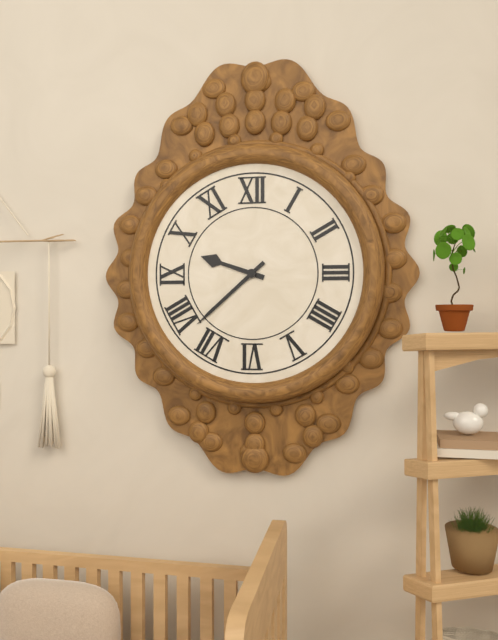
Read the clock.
9:38
